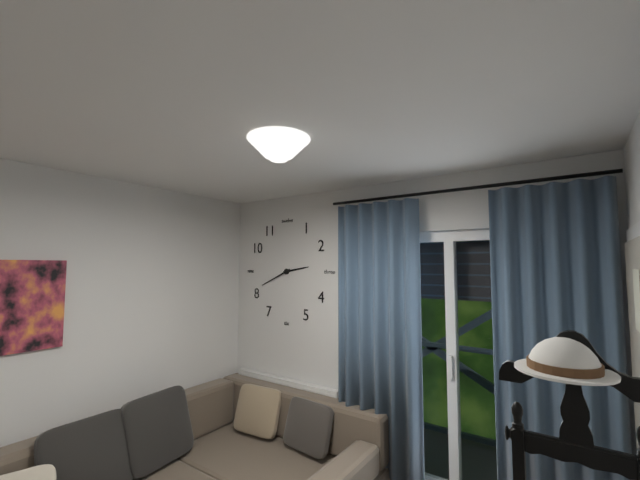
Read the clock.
2:41
